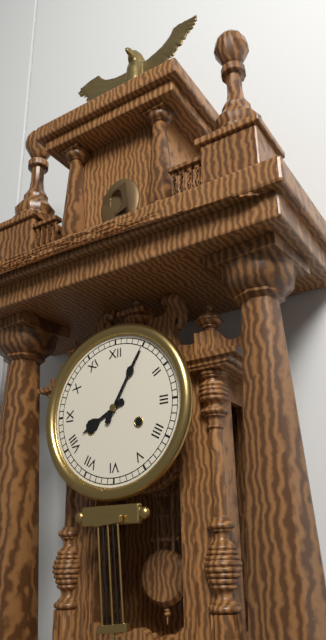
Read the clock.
8:05
